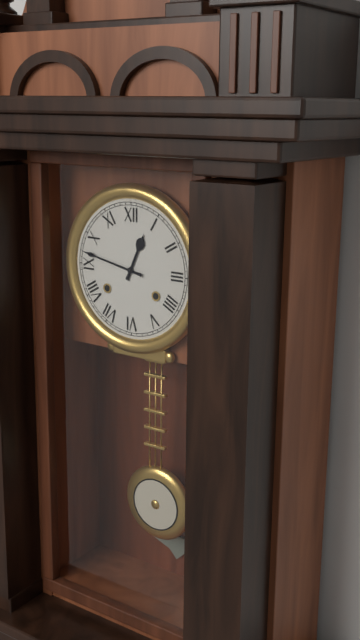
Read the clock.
12:47
